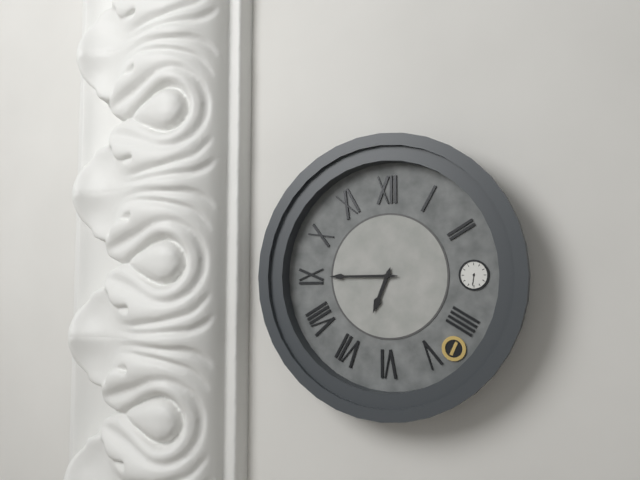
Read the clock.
6:45
